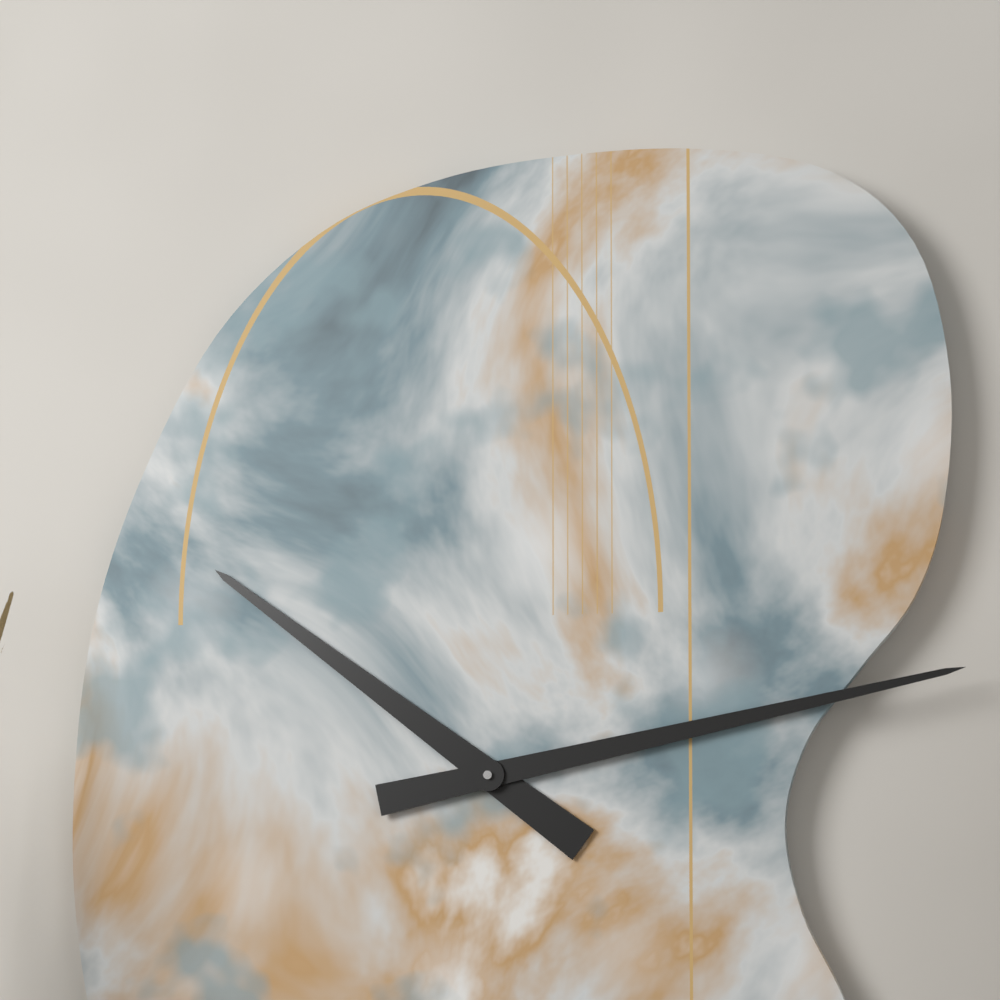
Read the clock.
10:13
